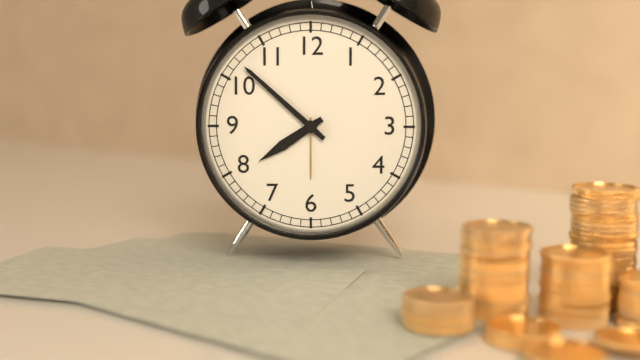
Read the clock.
7:52
